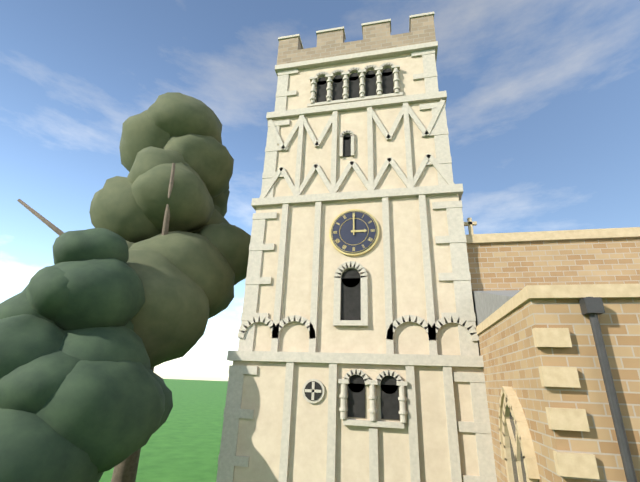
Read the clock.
3:00
